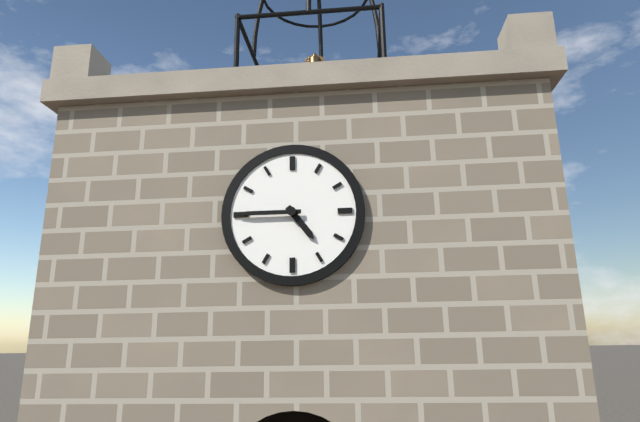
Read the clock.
4:45
